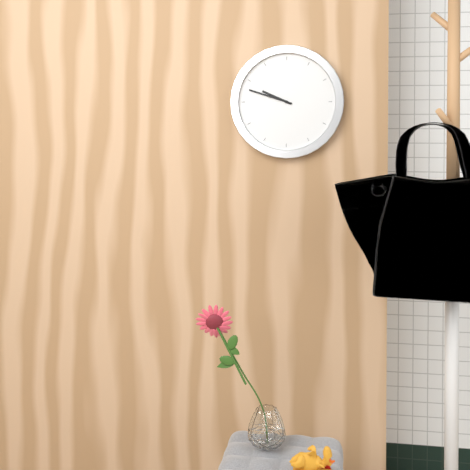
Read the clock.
9:48
